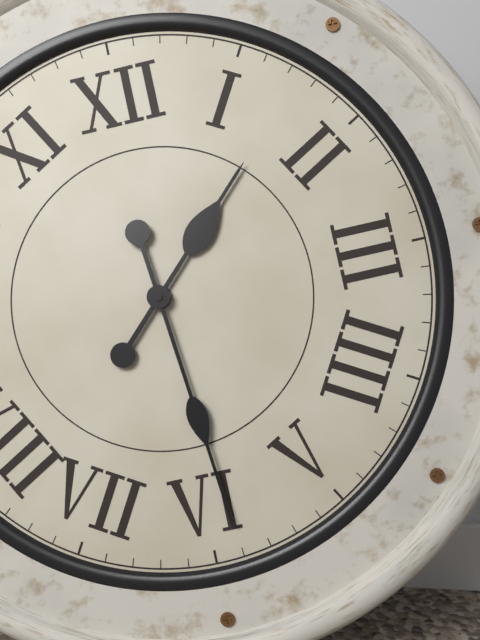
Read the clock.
1:29
